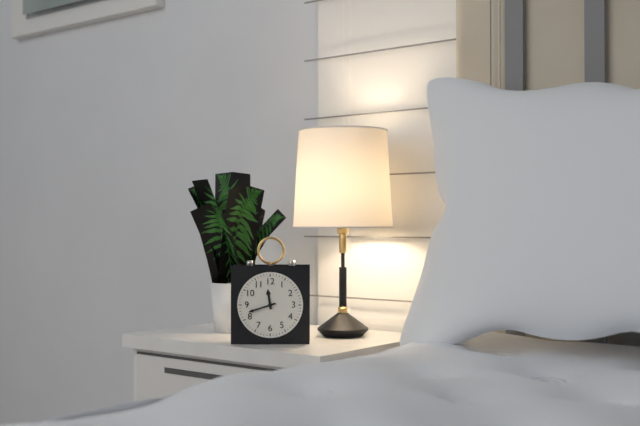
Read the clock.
11:42
